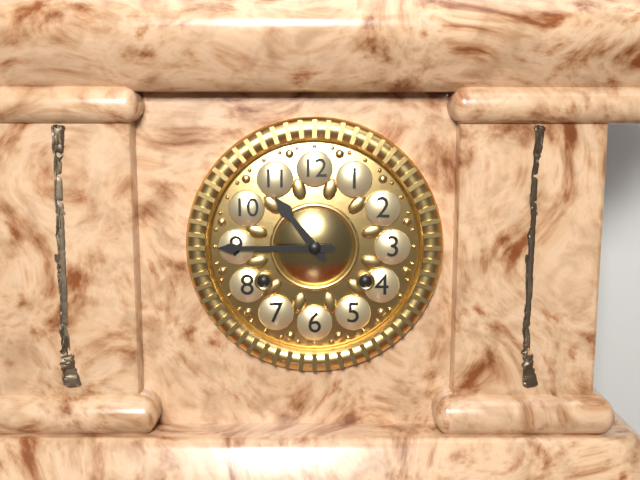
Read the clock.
10:45
